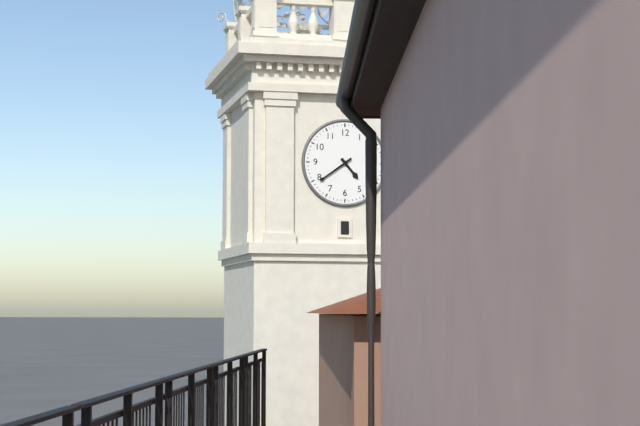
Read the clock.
4:39
